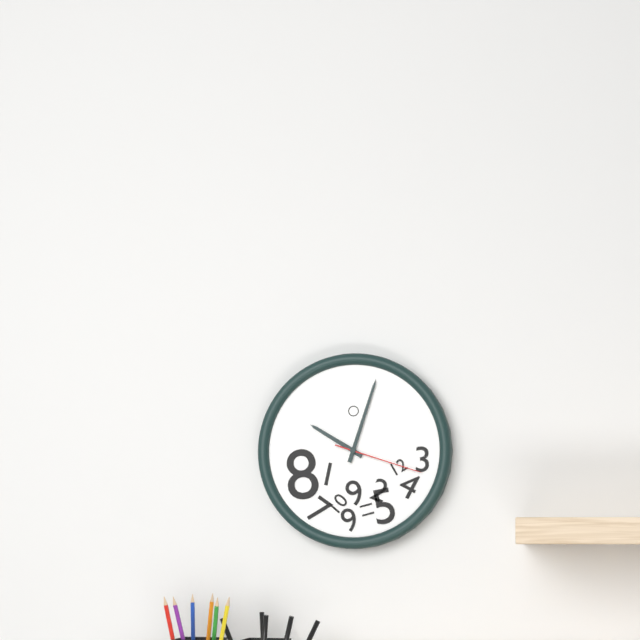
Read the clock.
10:03:18
